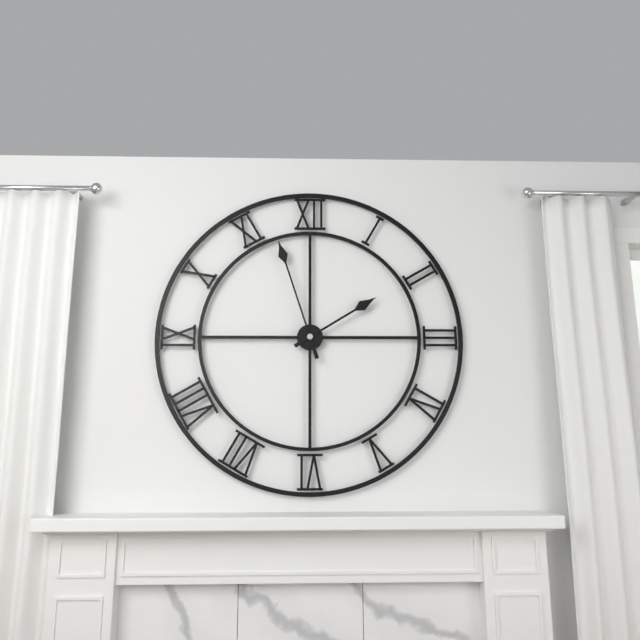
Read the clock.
1:57
